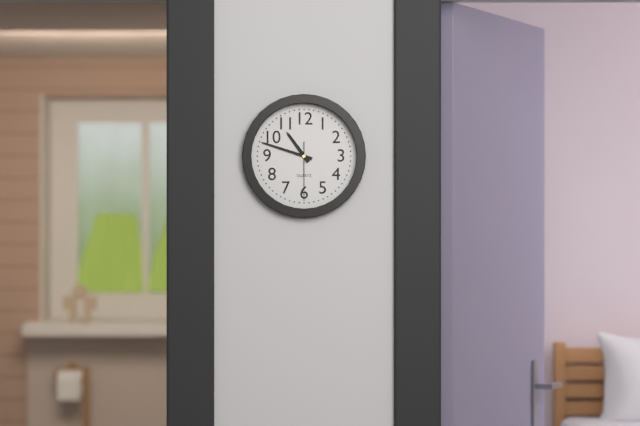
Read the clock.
10:48:30
